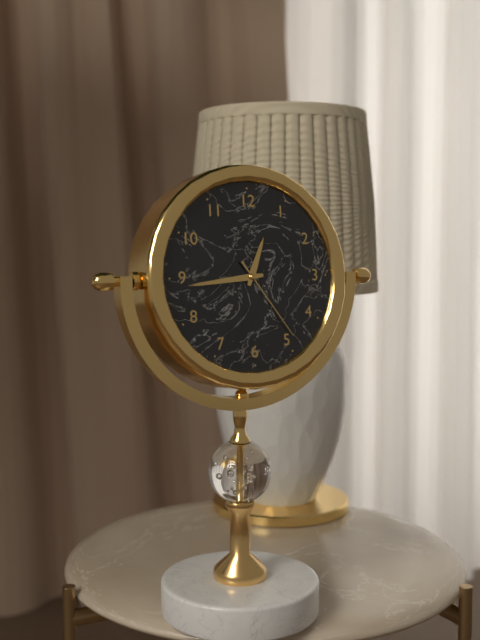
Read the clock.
12:44:24
